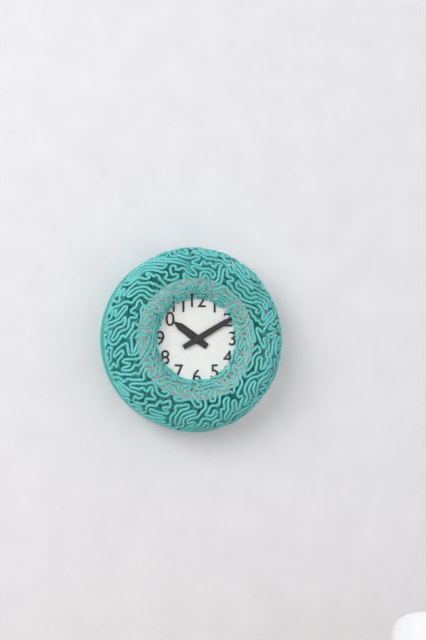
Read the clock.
10:10
